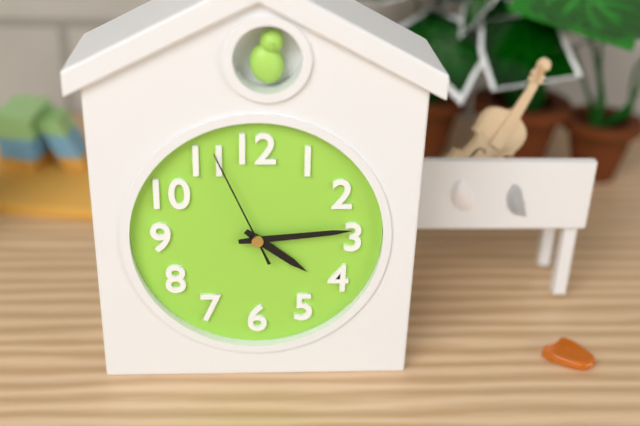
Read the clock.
4:14:56
